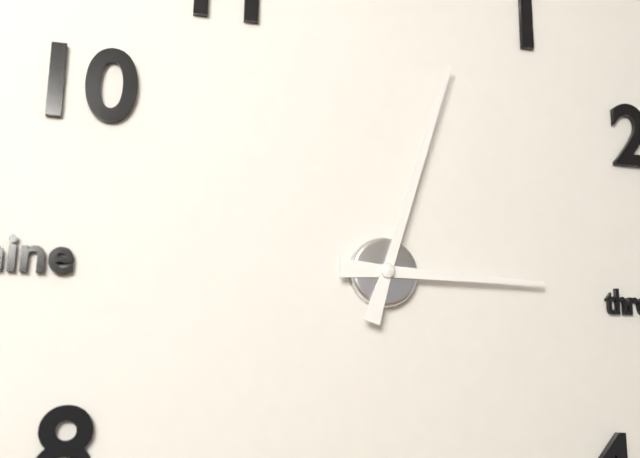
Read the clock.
3:03
